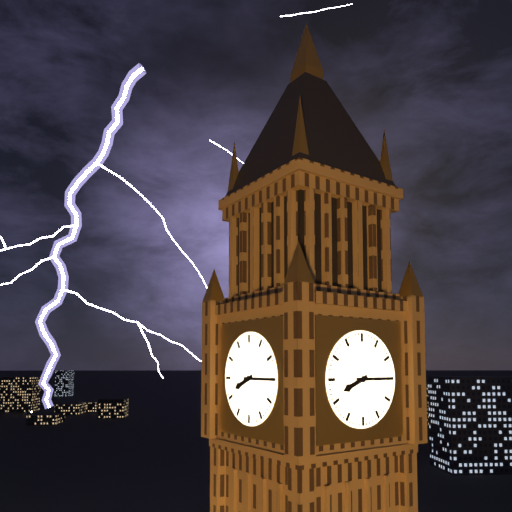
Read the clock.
8:15
